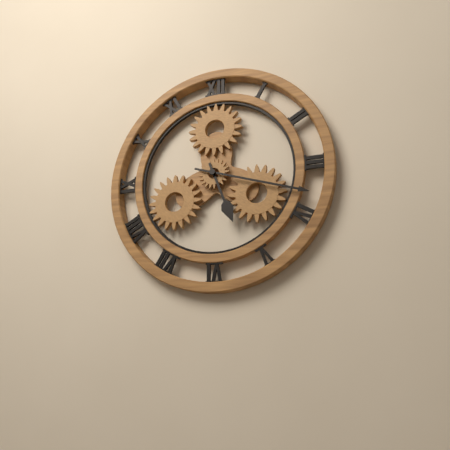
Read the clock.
5:18
